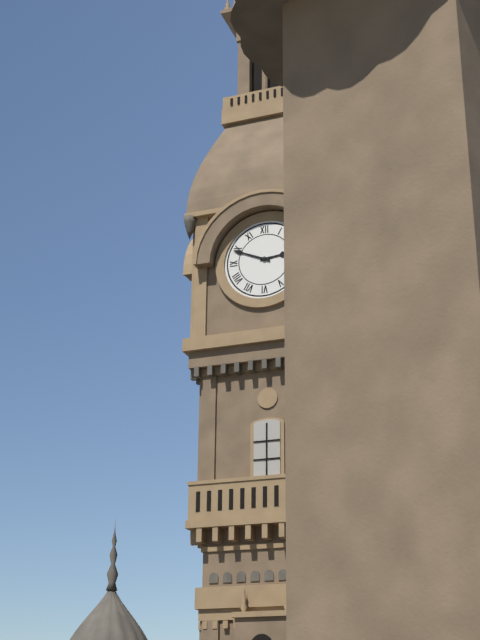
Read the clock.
2:49
